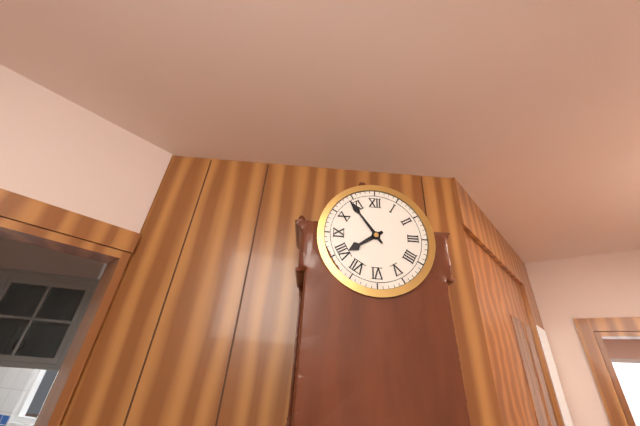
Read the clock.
7:54
